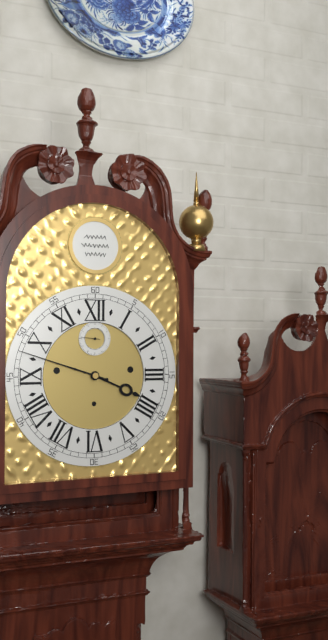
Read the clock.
3:48
